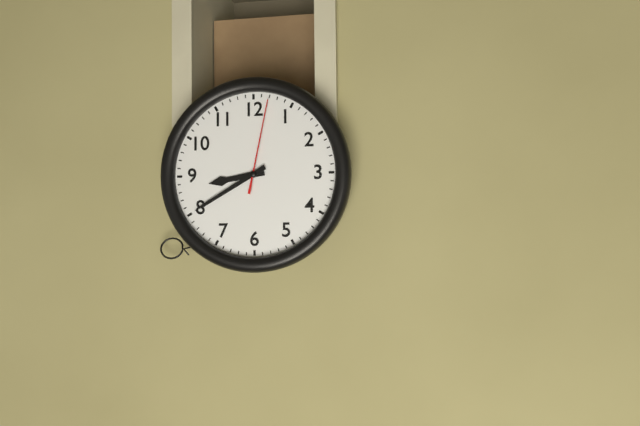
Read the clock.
8:40:02
